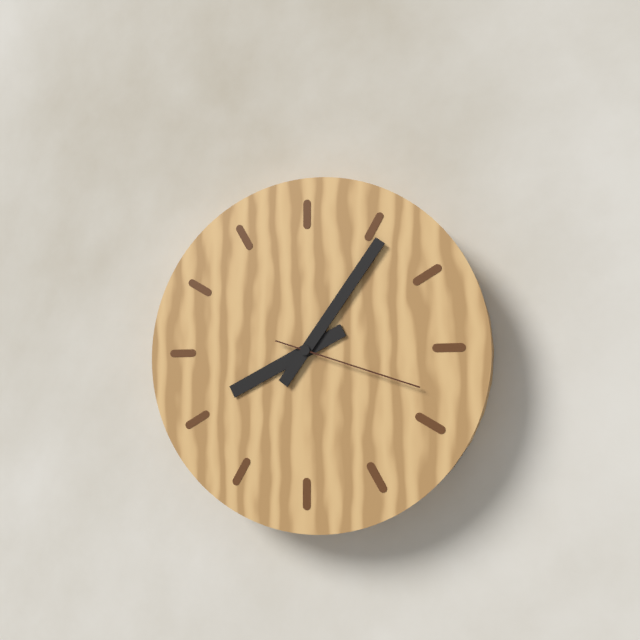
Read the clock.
8:06:18
